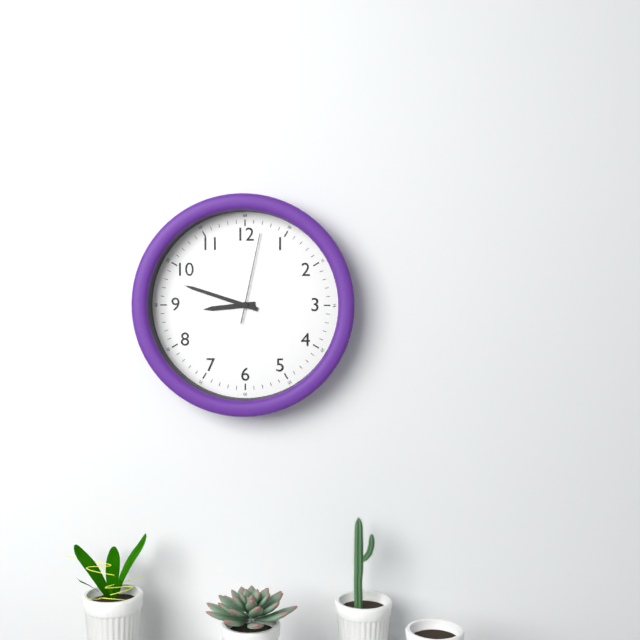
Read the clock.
8:48:02
